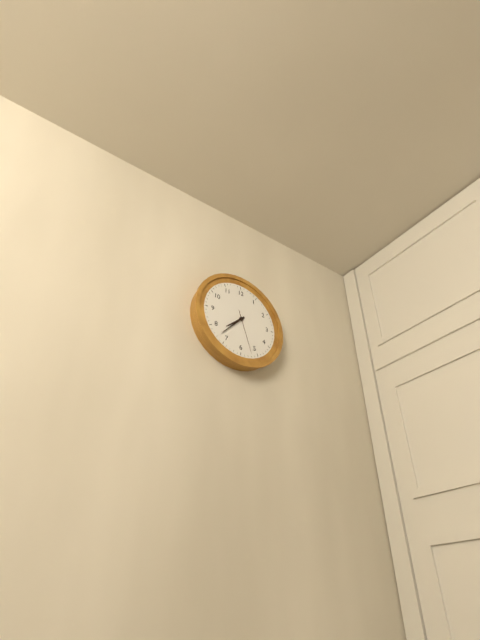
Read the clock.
7:37
